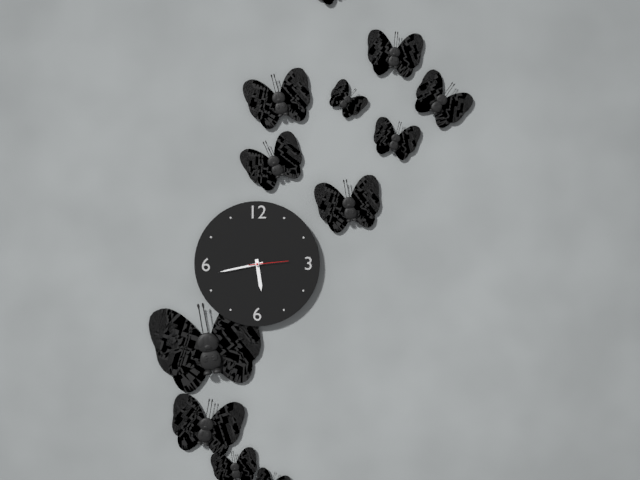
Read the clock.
5:43
